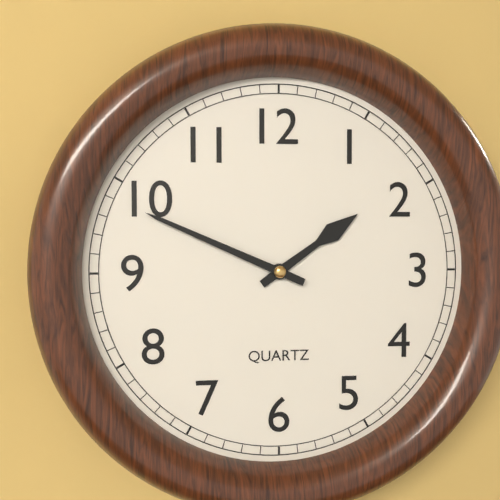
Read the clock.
1:49
